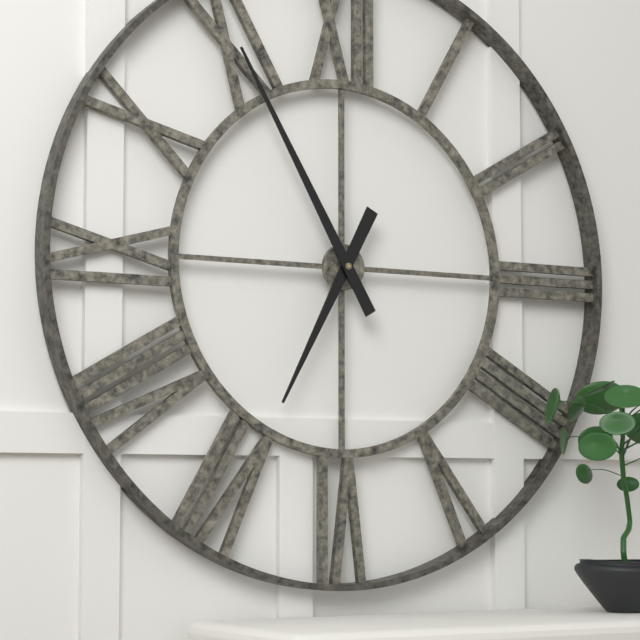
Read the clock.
6:55
